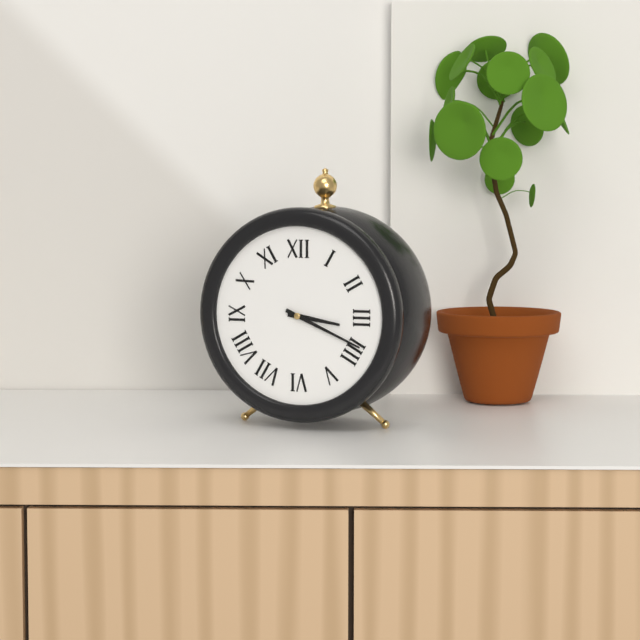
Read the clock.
3:19
